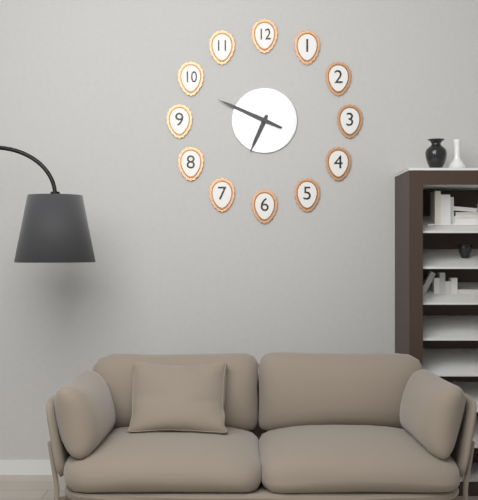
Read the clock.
6:49
